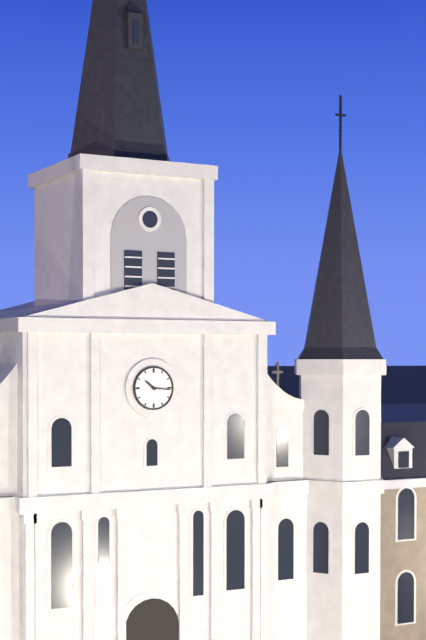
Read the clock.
10:16
